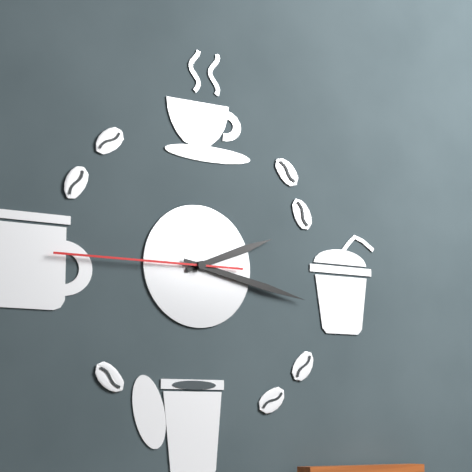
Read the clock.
2:17:45
